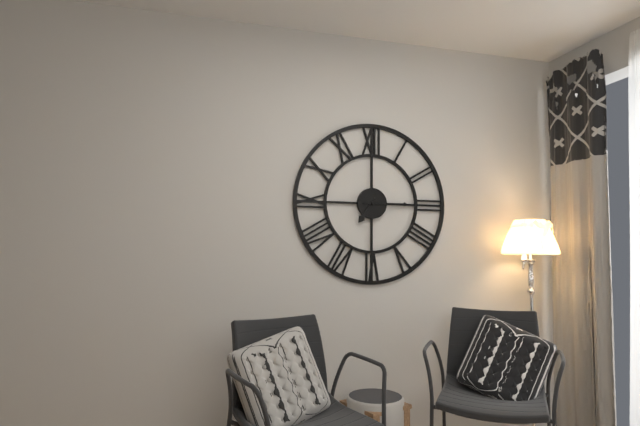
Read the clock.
7:15
